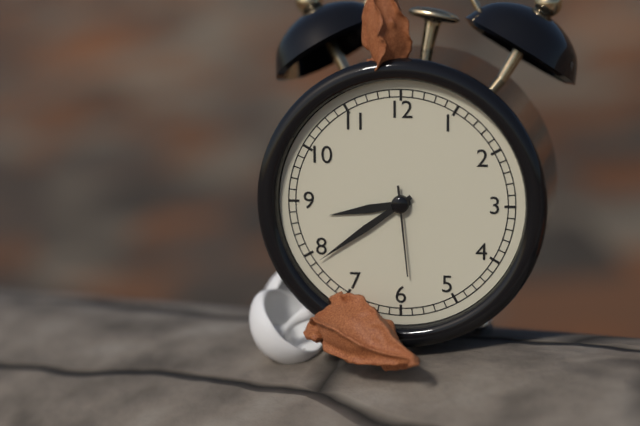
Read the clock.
8:39:29
